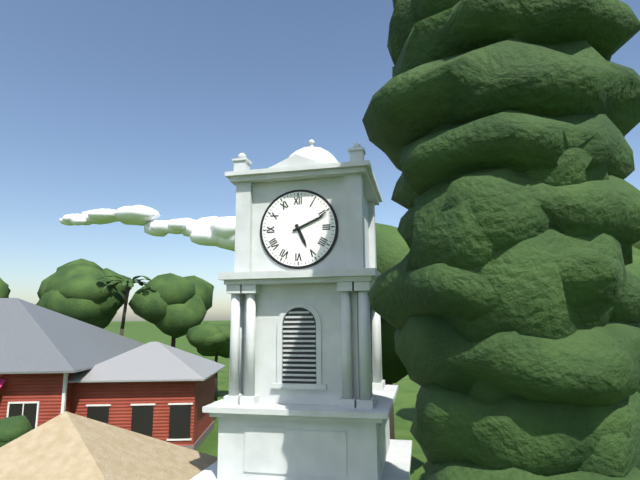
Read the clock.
5:11
